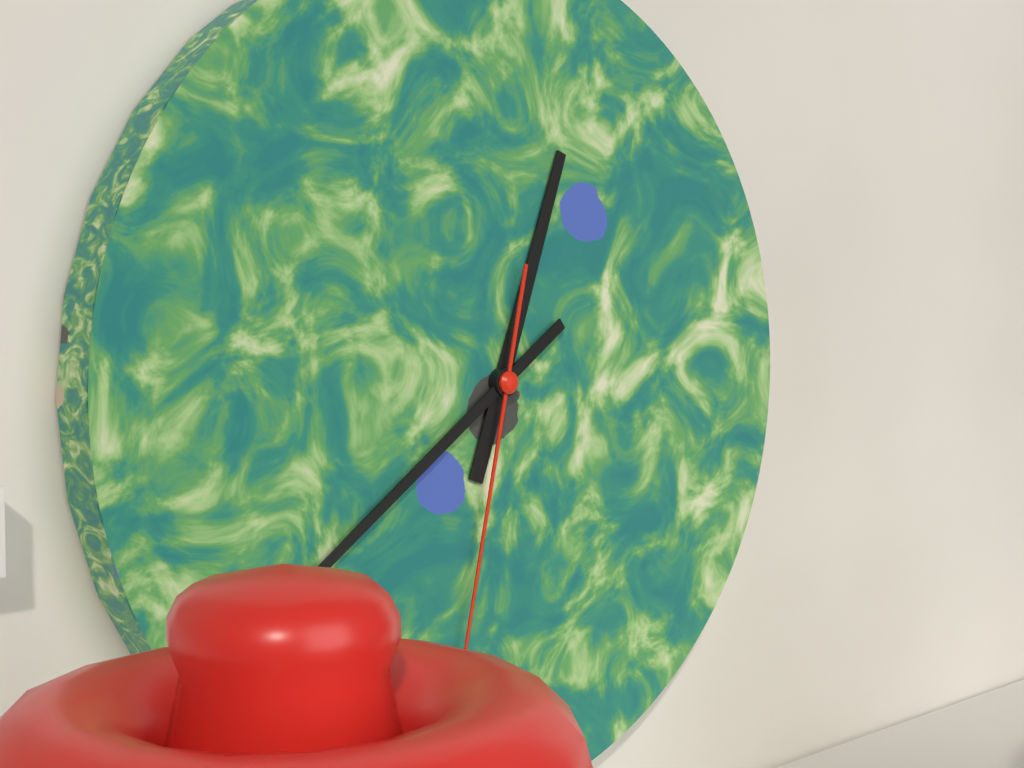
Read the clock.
12:39:32
